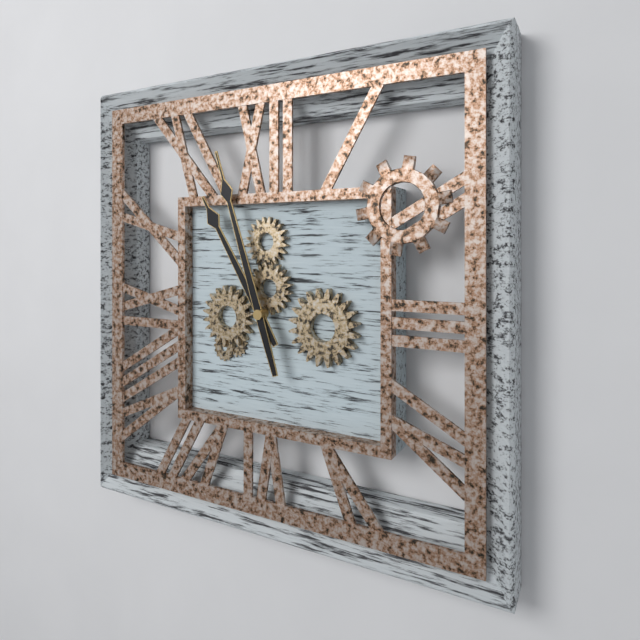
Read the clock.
10:57
